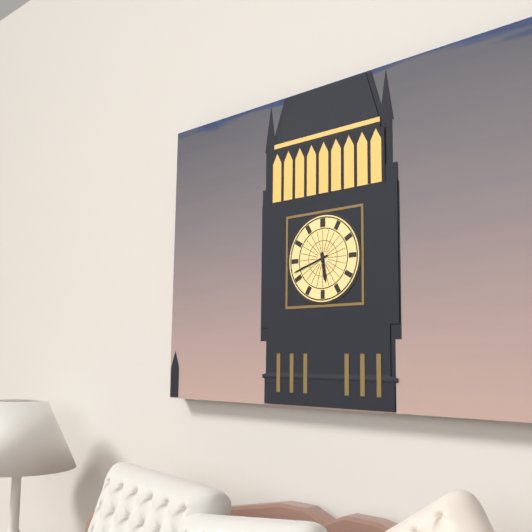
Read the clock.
5:42
